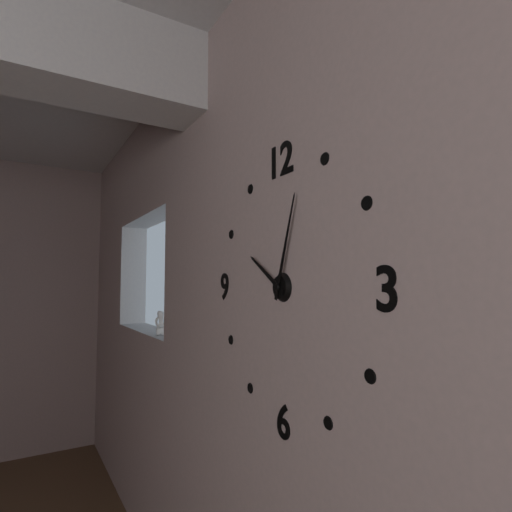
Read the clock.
10:03
